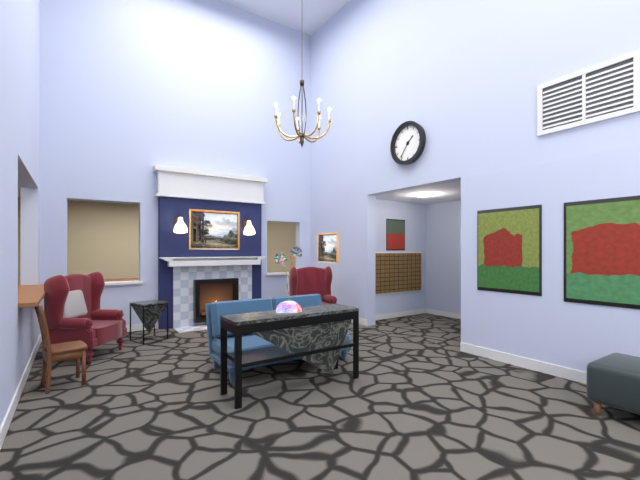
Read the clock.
1:36
